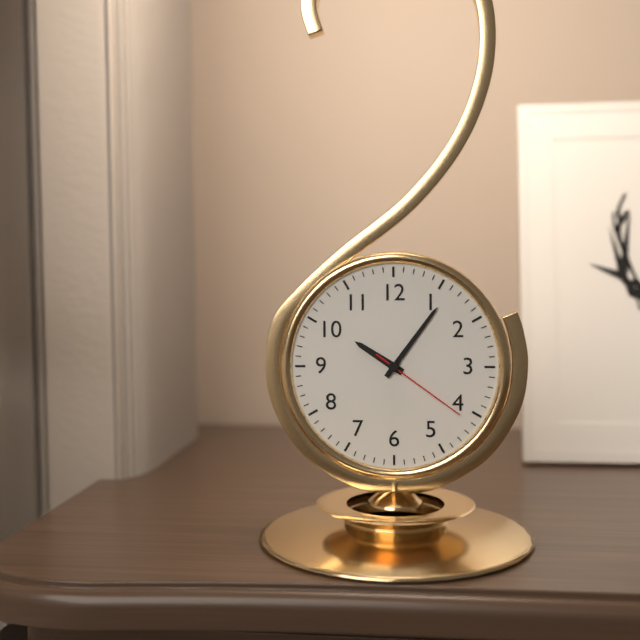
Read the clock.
10:06:21
